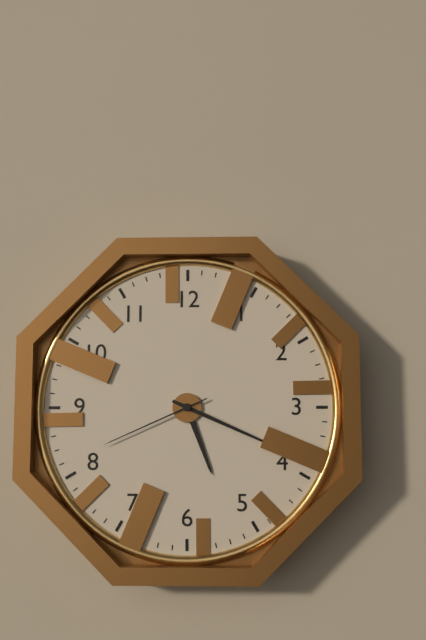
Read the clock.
5:19:41
